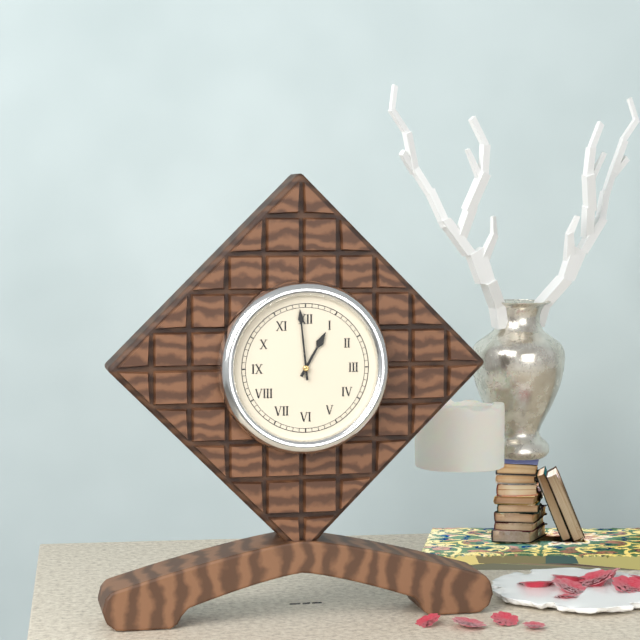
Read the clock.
12:59
